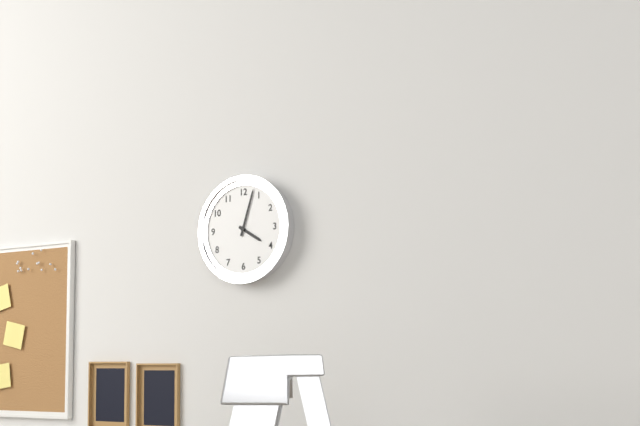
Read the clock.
4:03
